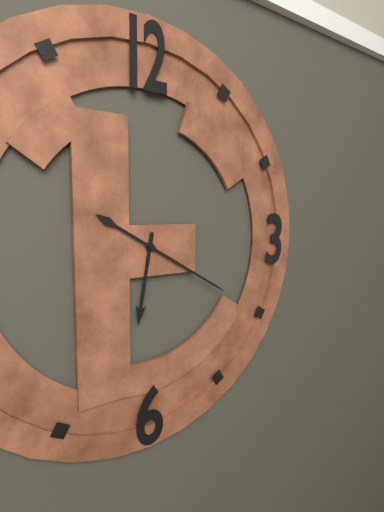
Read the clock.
6:20
